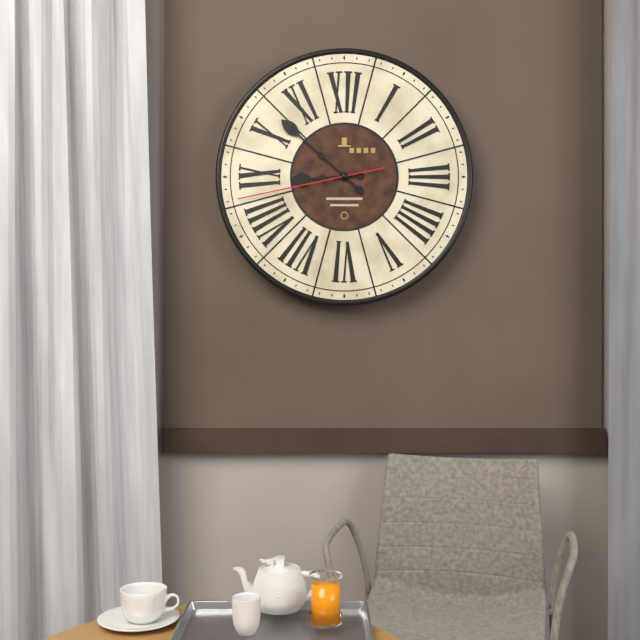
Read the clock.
8:52:43
